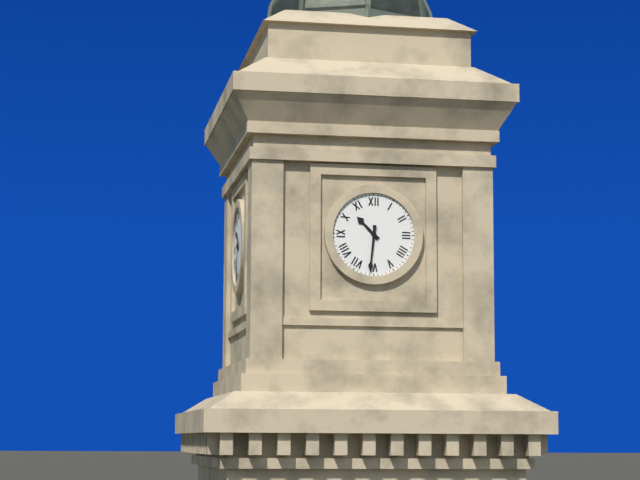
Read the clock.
10:31
